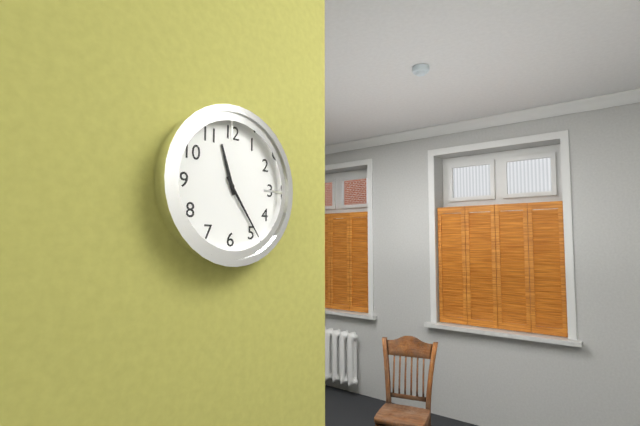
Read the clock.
11:24
